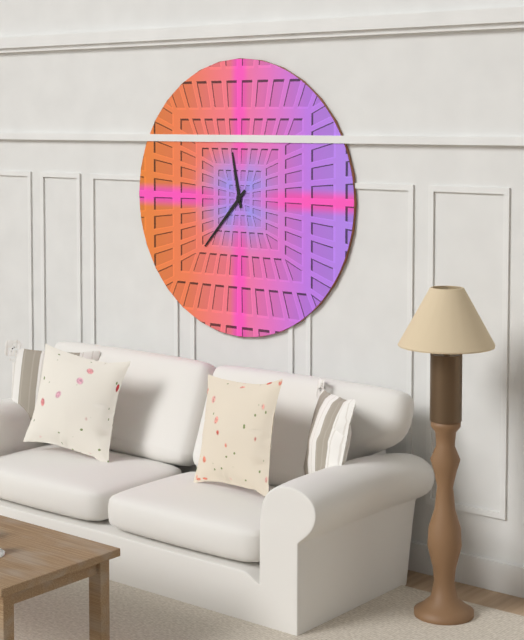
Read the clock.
11:37
